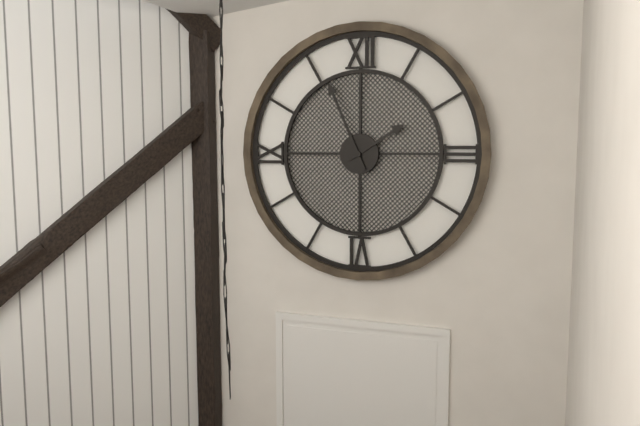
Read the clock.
1:56
